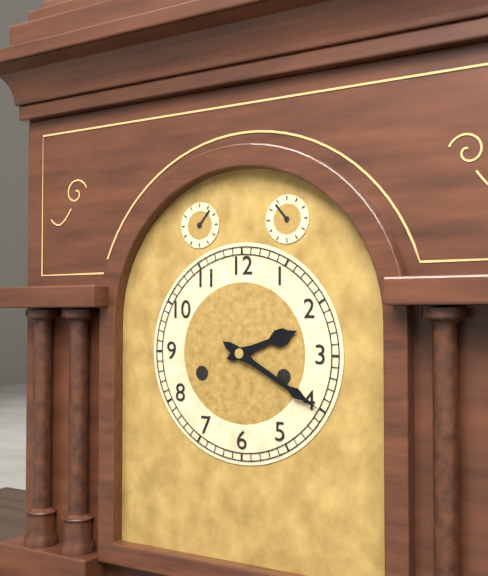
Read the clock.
2:20
